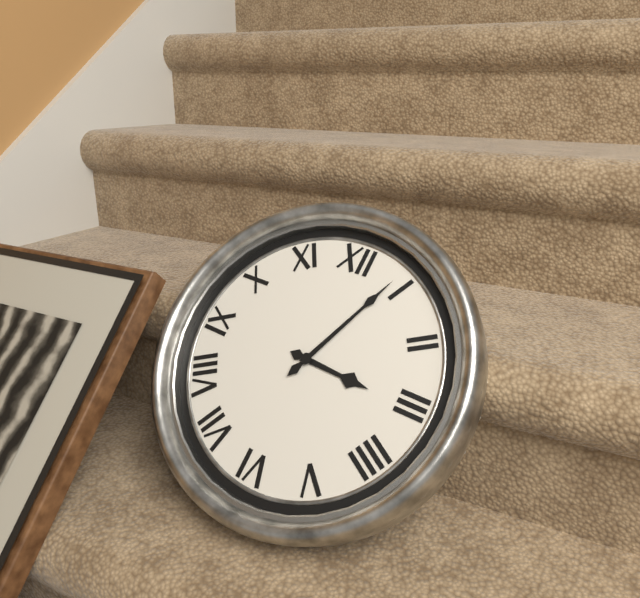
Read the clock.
3:04
